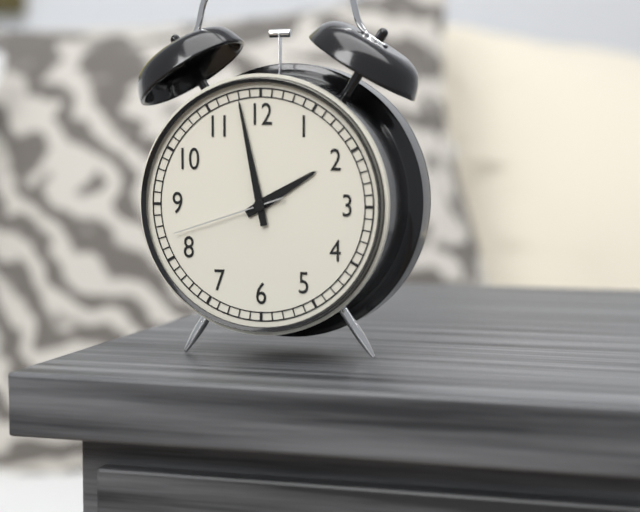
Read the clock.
1:58:42
